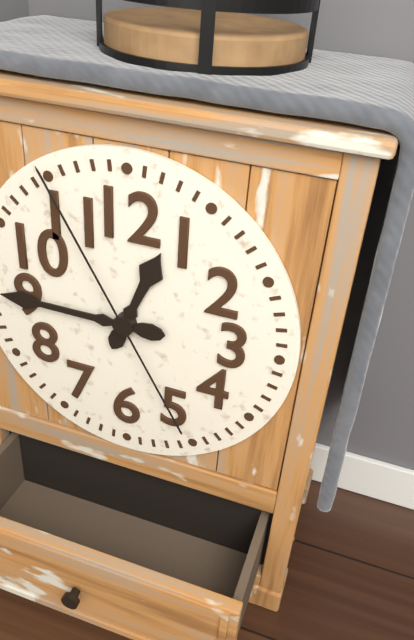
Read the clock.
12:45:55
